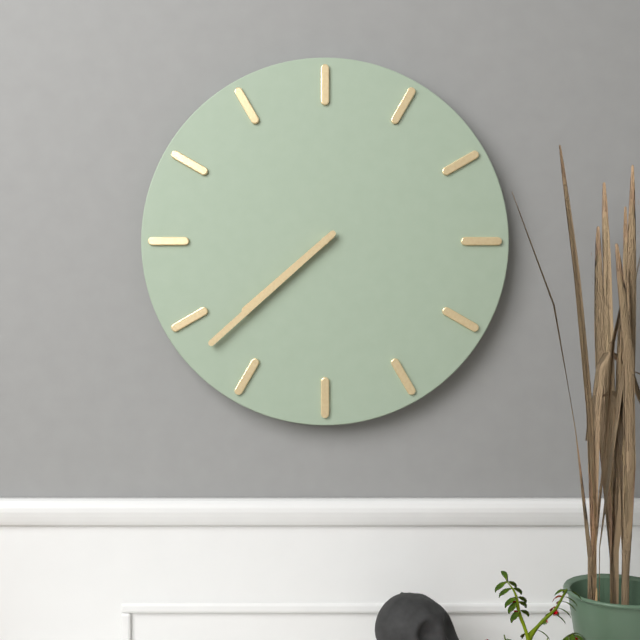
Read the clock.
7:38
